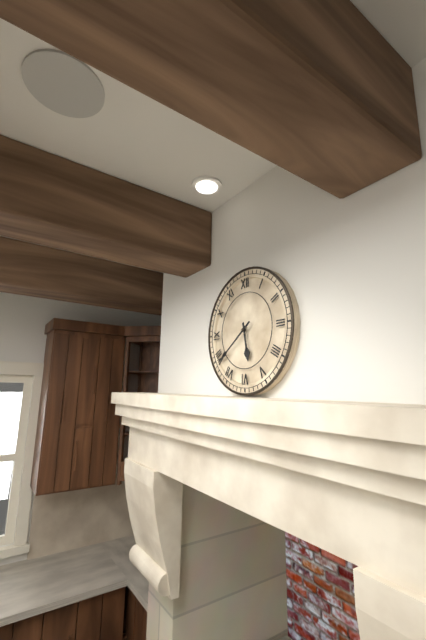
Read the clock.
5:39
